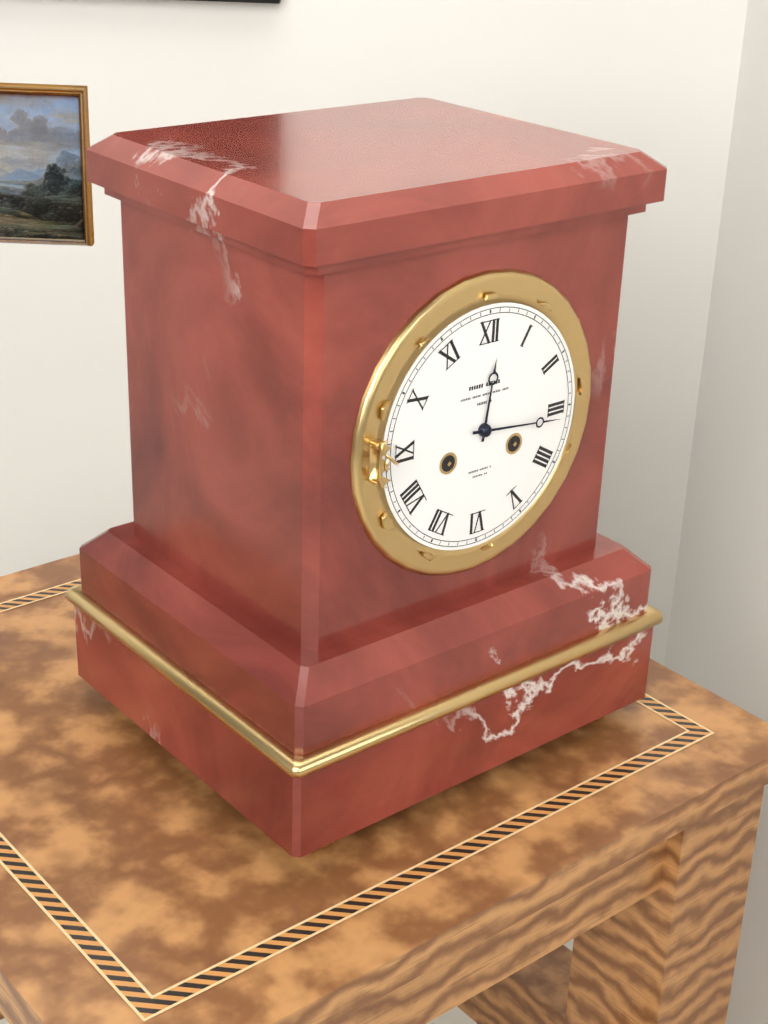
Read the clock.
12:16
